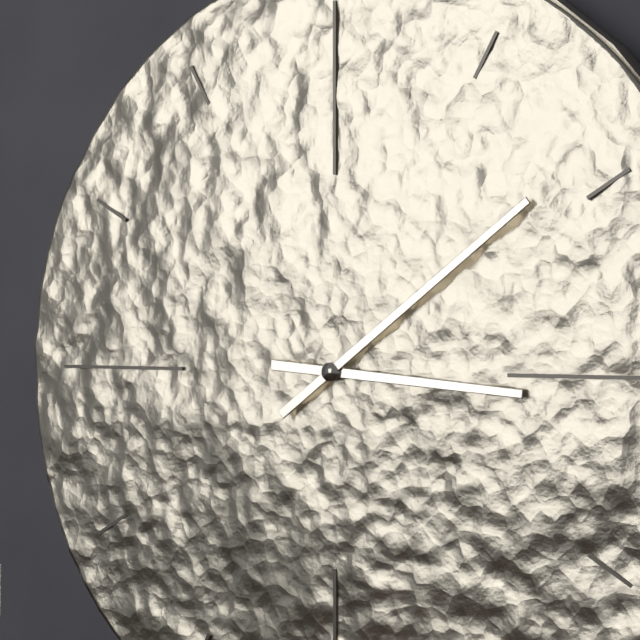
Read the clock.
3:09
